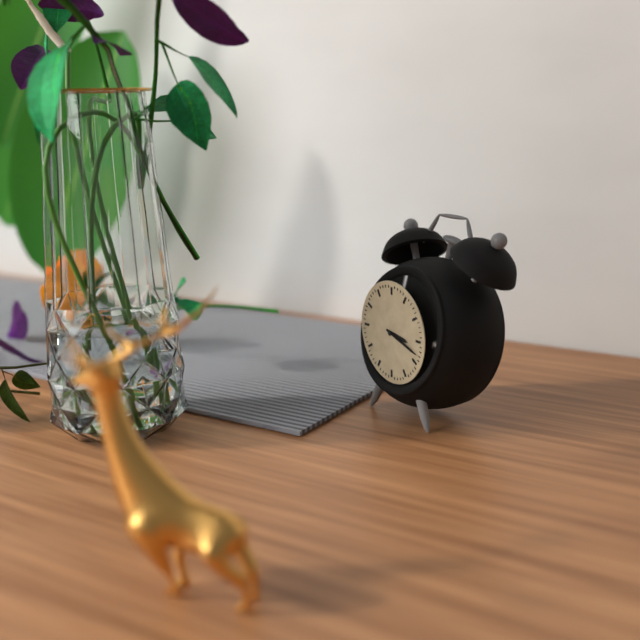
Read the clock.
3:18
